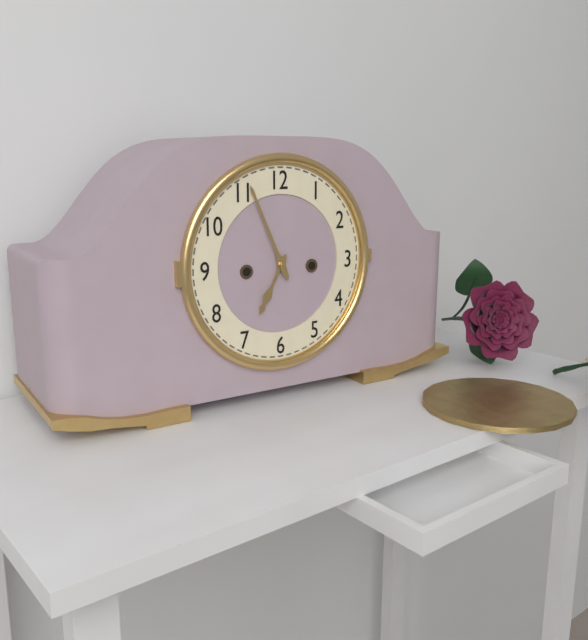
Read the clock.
6:56
